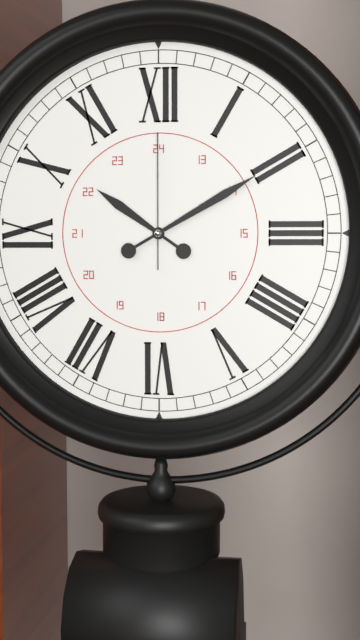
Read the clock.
10:10:00
